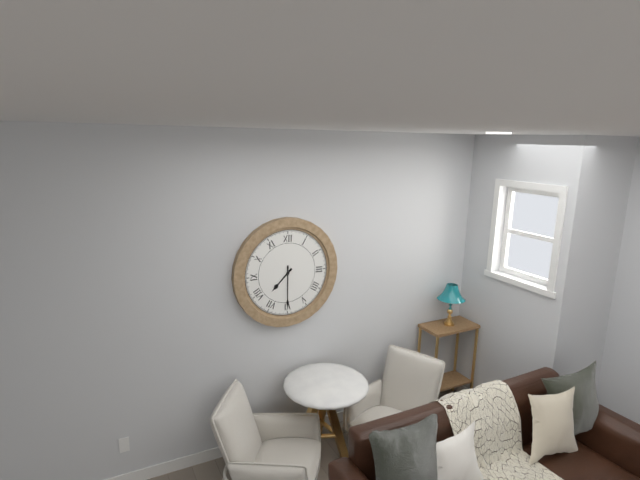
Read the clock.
7:30
